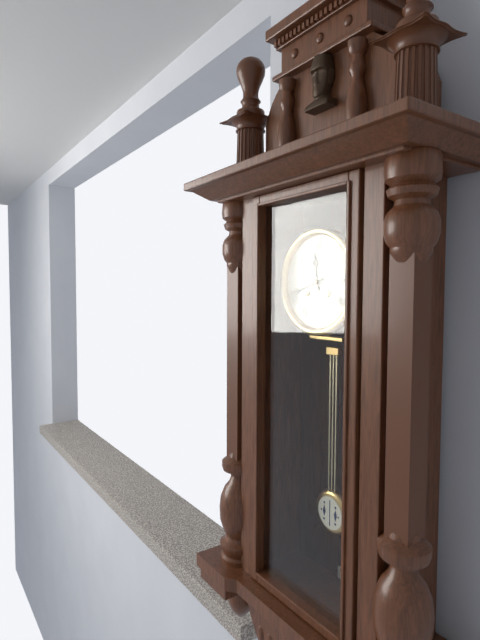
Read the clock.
11:42
